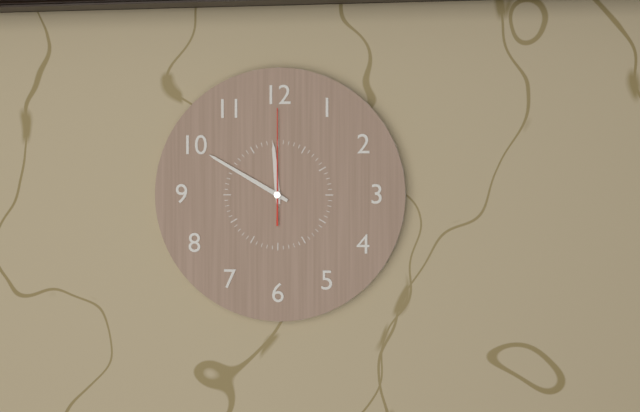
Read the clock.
11:50:00
